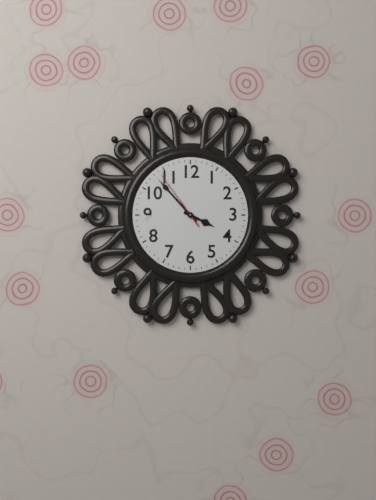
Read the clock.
3:53:54
